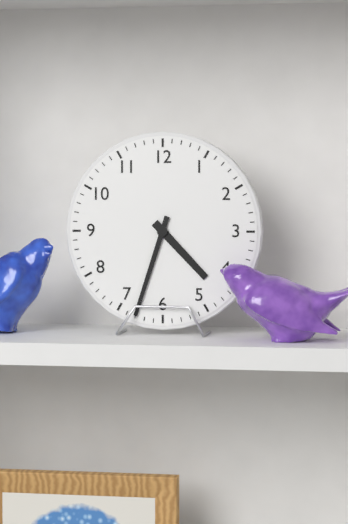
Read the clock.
4:33
